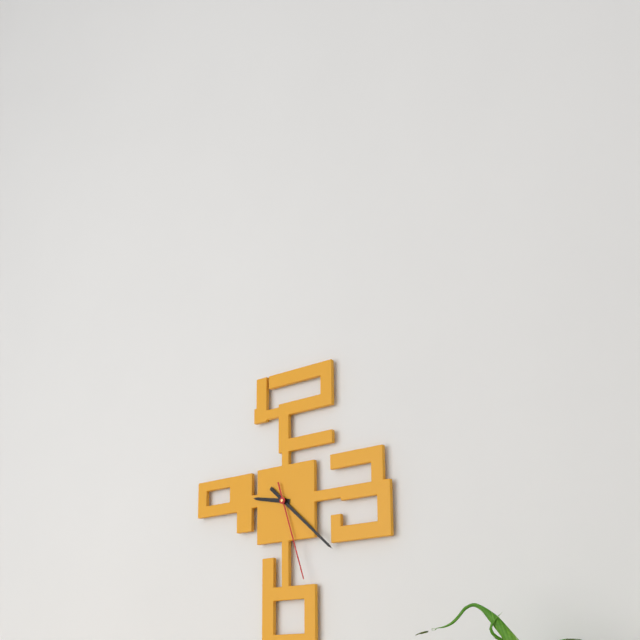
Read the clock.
9:22:27
